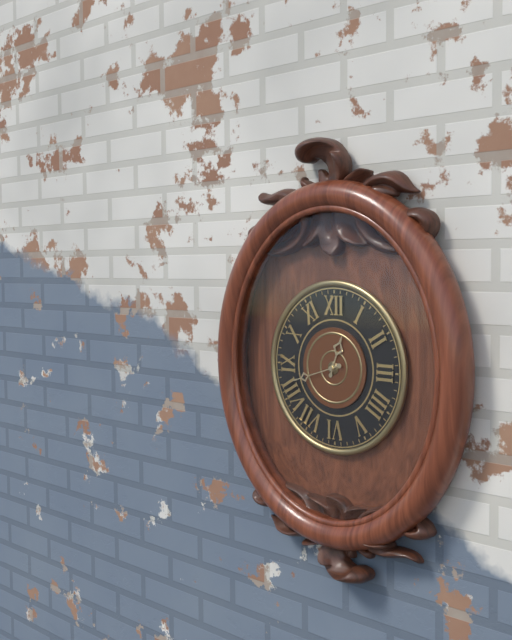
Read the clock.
12:42
